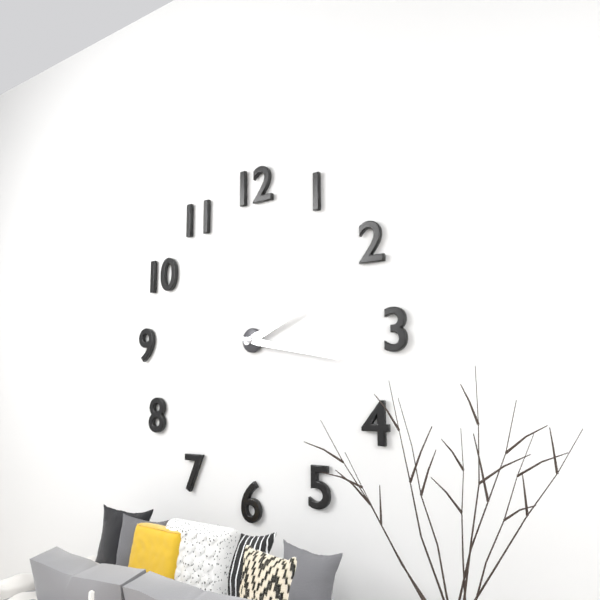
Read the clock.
2:17
